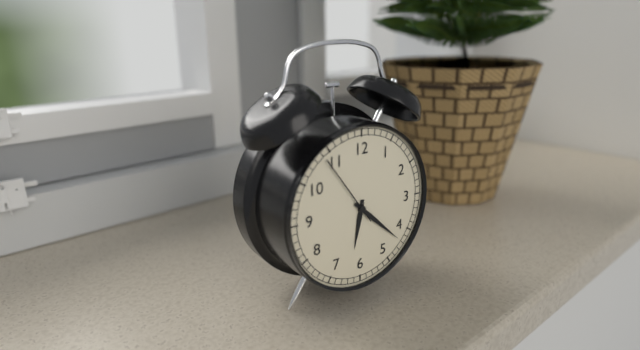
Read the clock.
6:22:54
